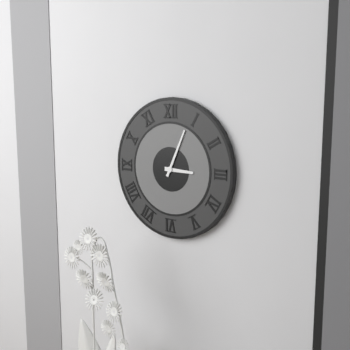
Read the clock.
3:04
